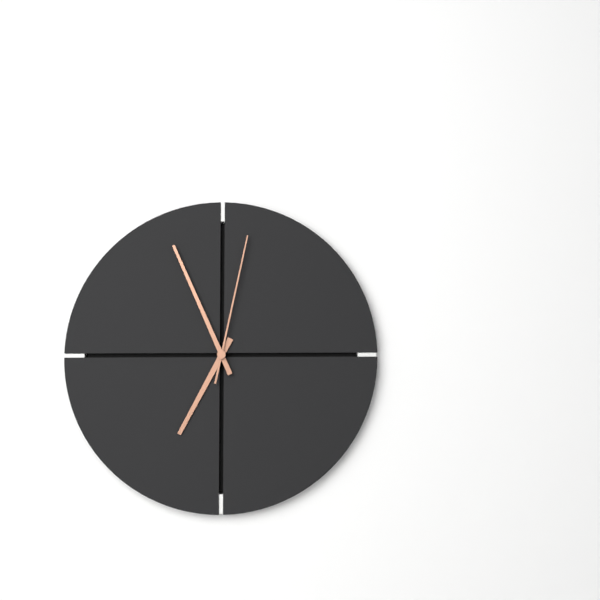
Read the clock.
6:56:02
